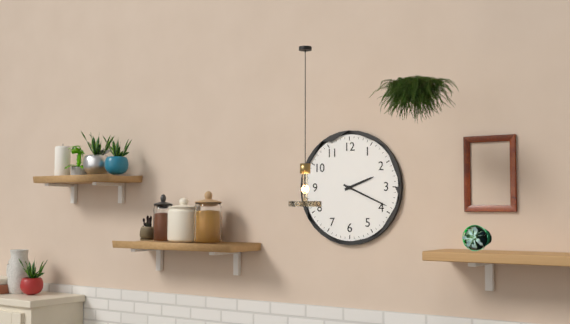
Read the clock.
2:19
